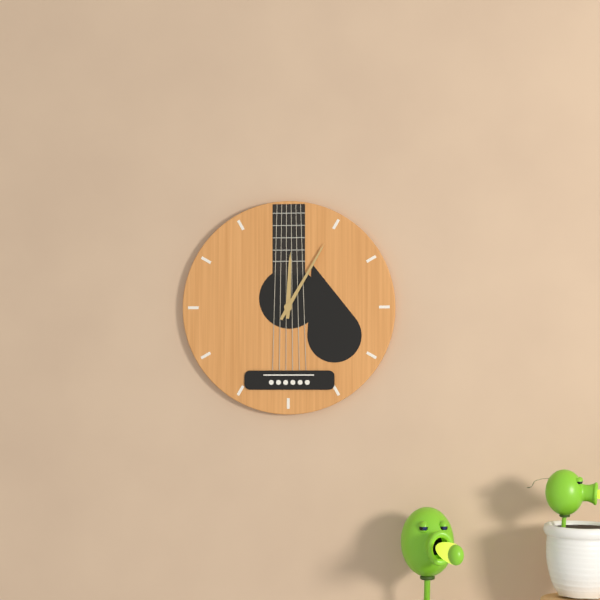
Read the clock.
12:05
